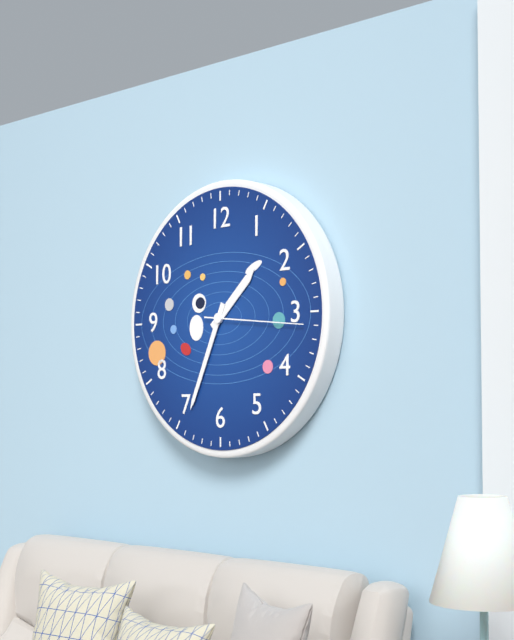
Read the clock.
1:34:16
